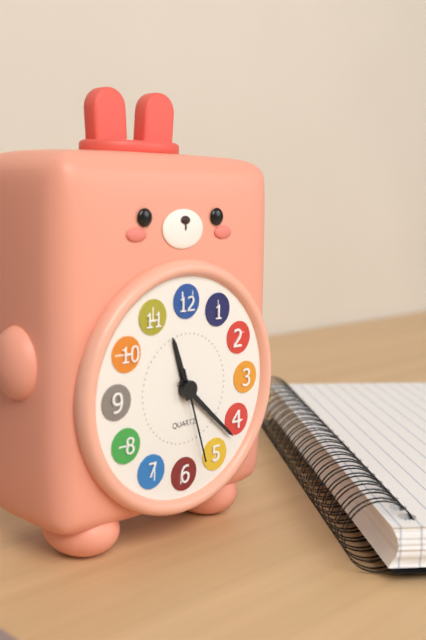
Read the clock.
11:22:27
